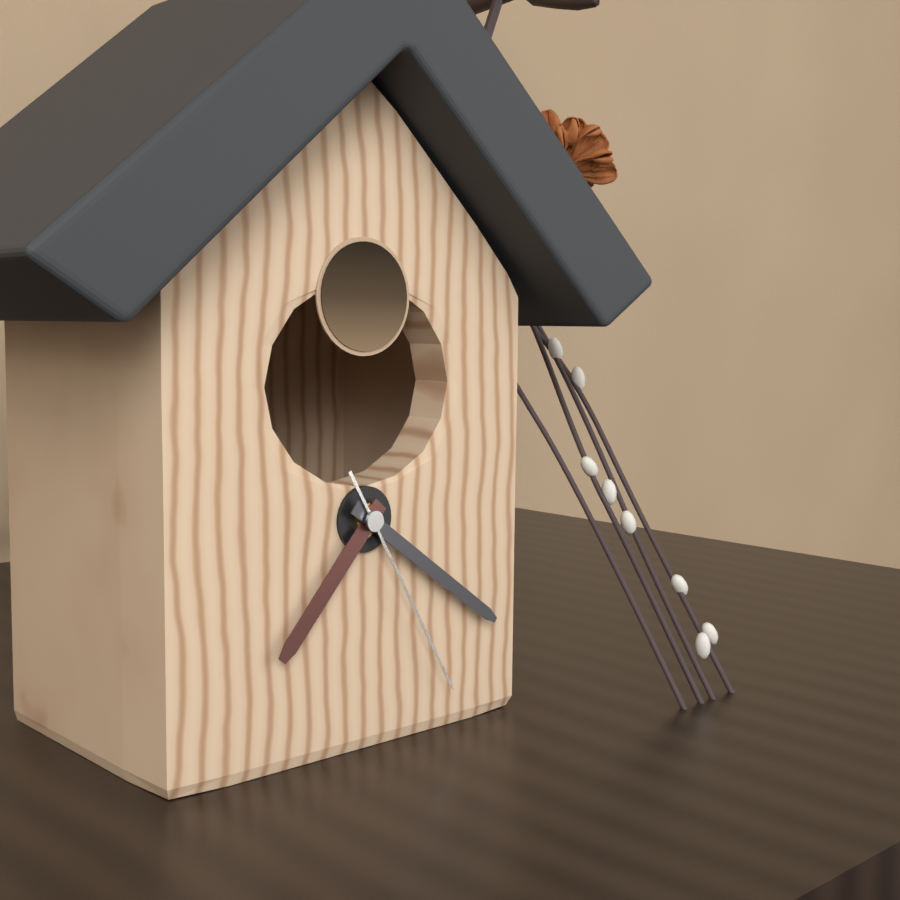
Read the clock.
7:21:25
